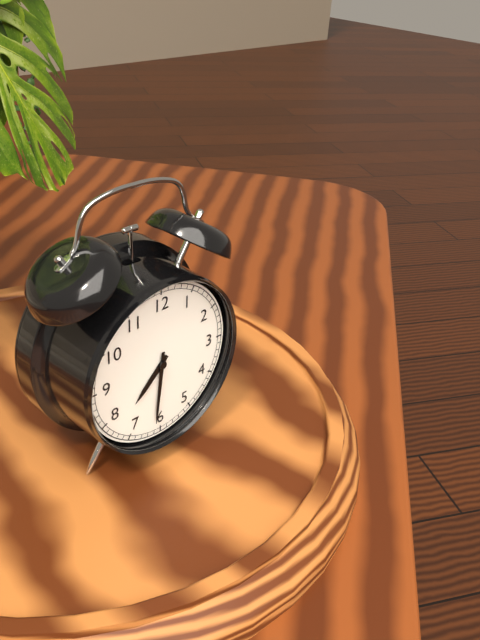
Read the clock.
7:31
